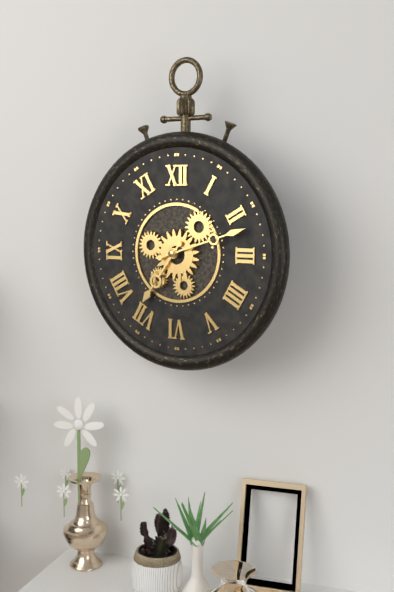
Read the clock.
7:12
